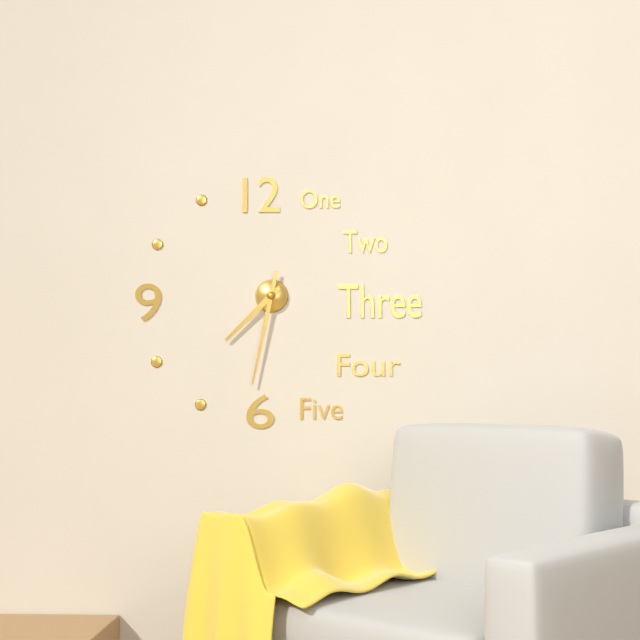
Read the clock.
7:32
